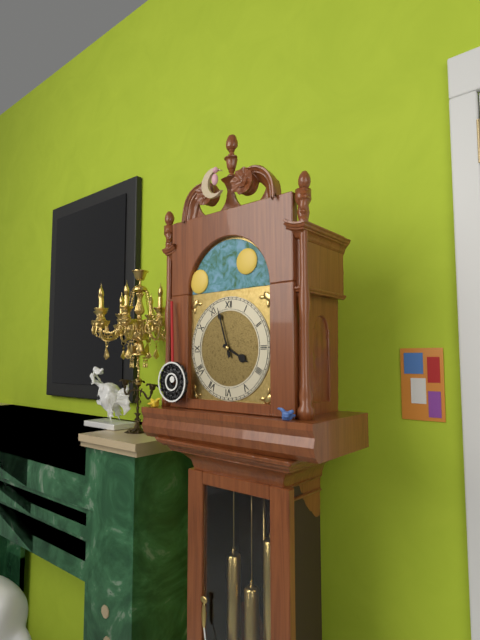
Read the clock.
3:57
